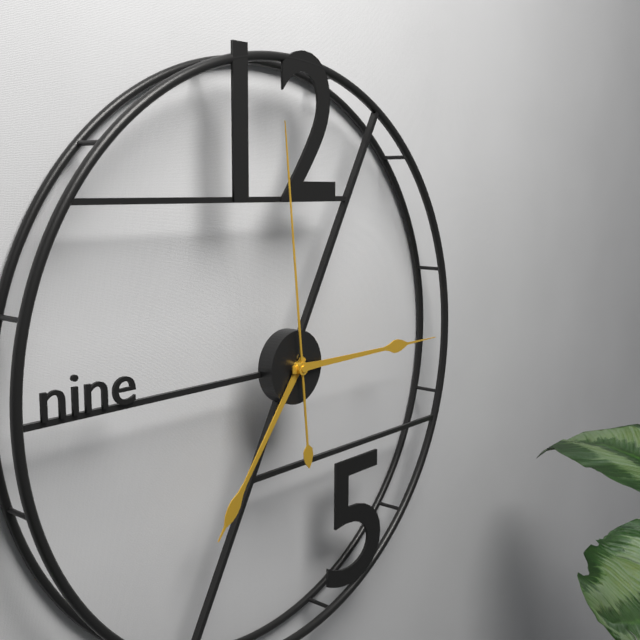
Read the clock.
7:15:59
